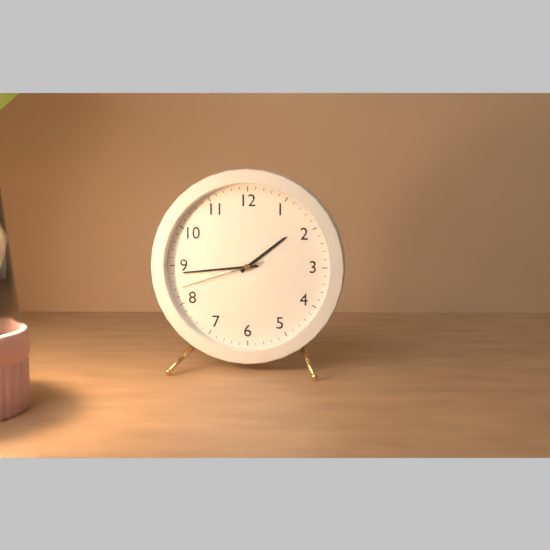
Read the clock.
1:44:42
